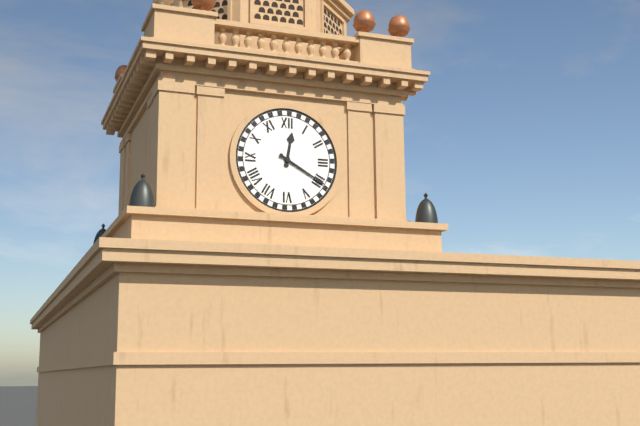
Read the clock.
12:20
